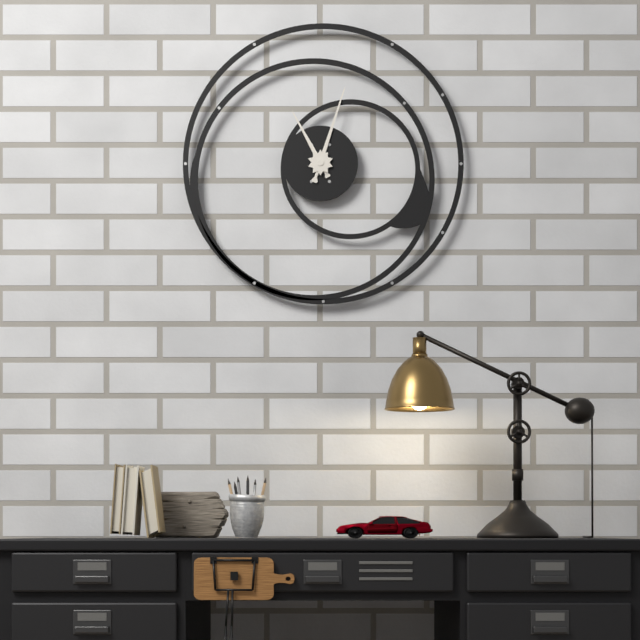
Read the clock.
11:03
